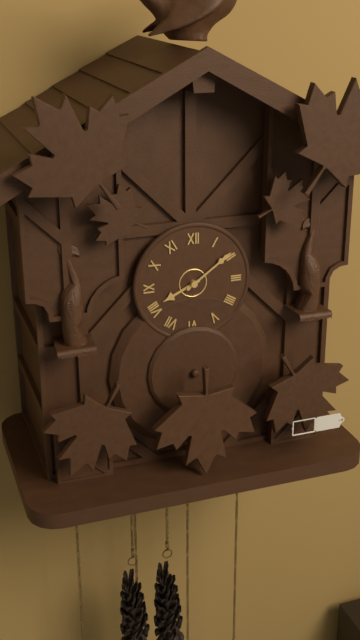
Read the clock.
8:09
